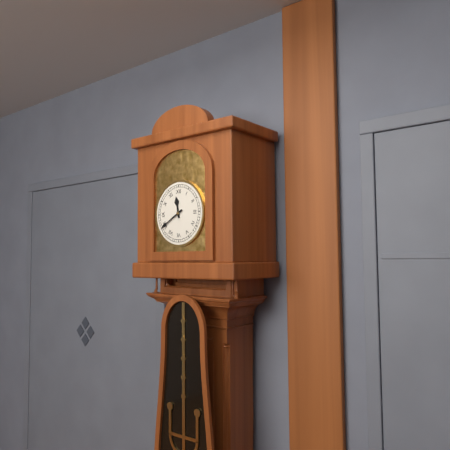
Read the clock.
11:40
